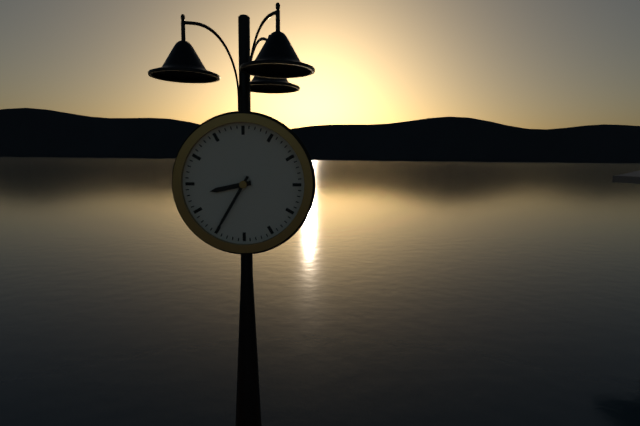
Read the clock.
8:35
